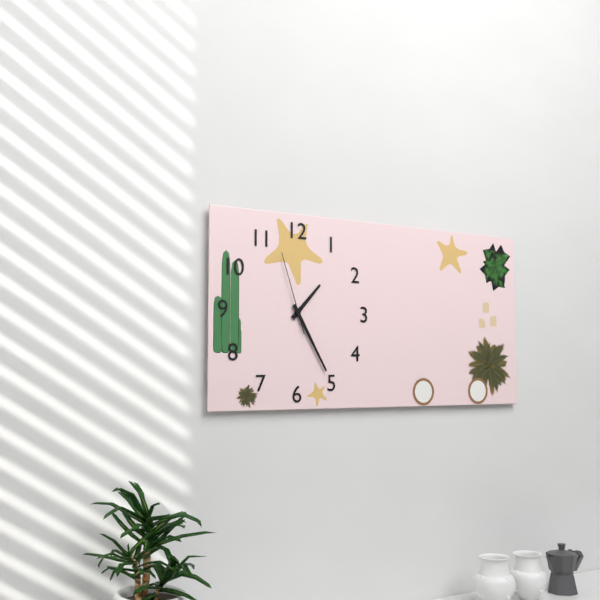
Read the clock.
1:25:57
